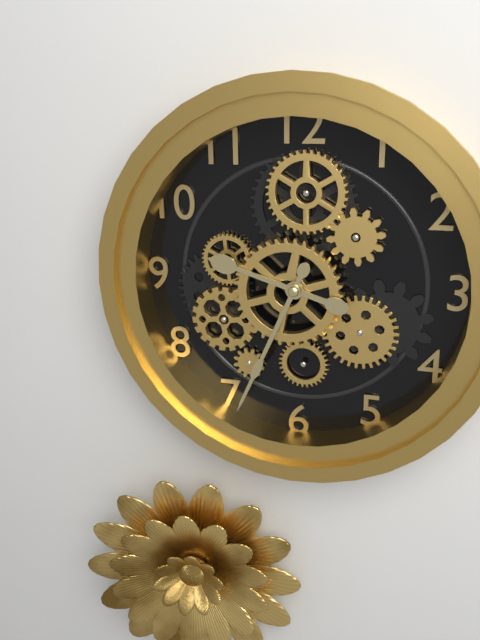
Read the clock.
9:34
